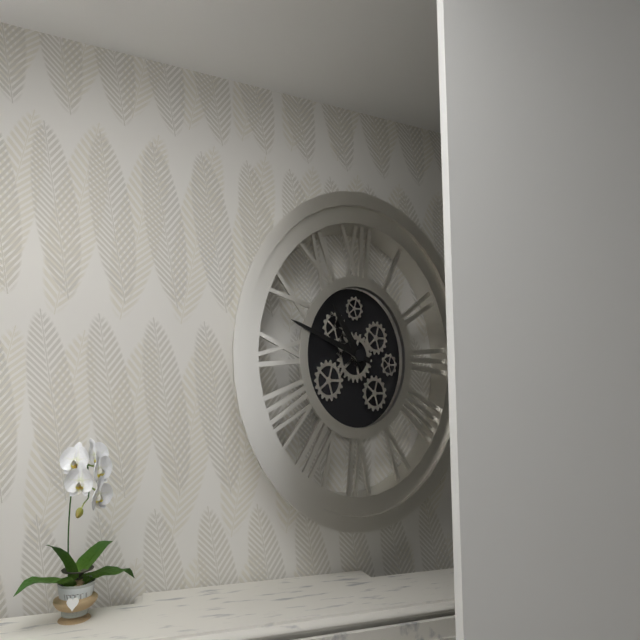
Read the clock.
10:48
